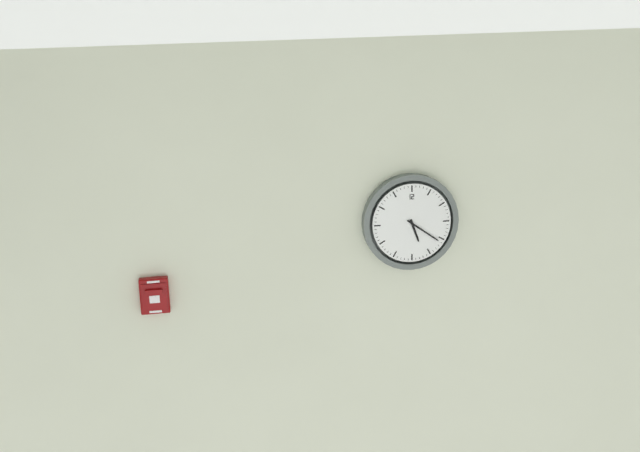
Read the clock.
5:21
